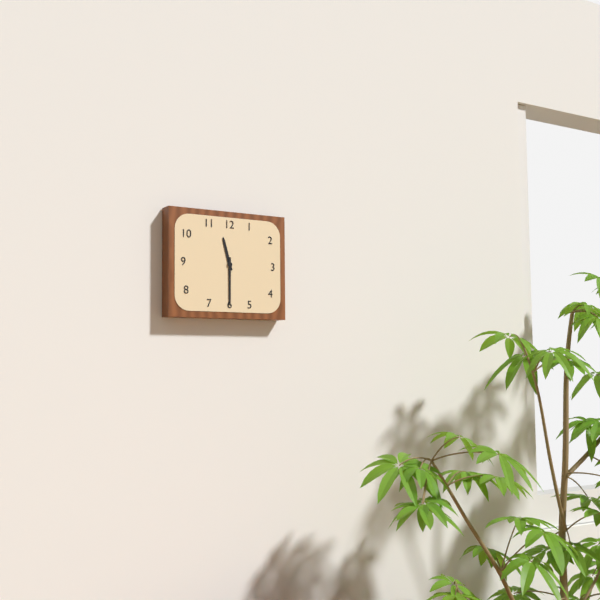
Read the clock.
11:30
